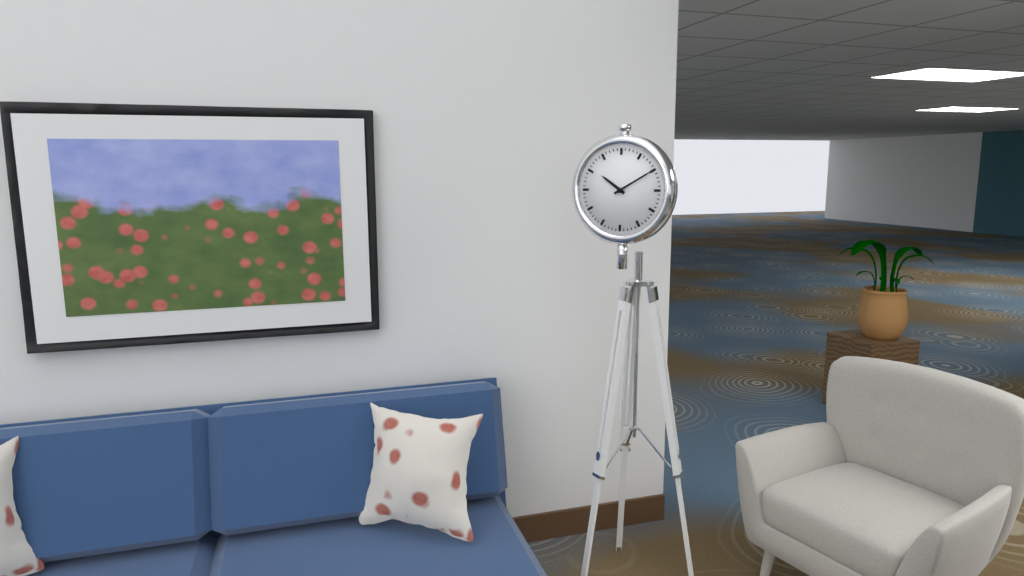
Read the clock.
10:10
